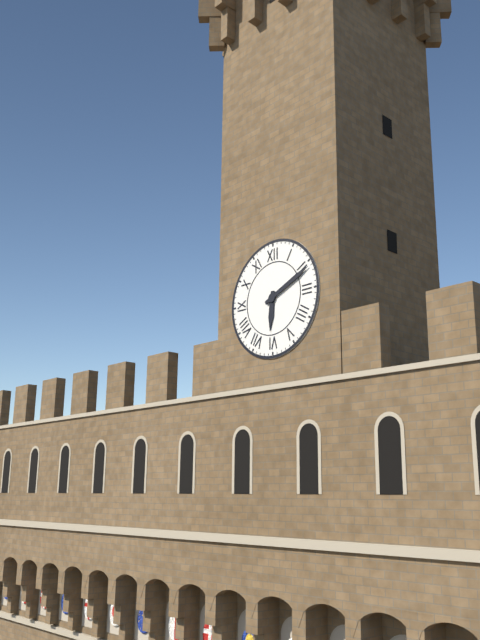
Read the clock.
6:11
